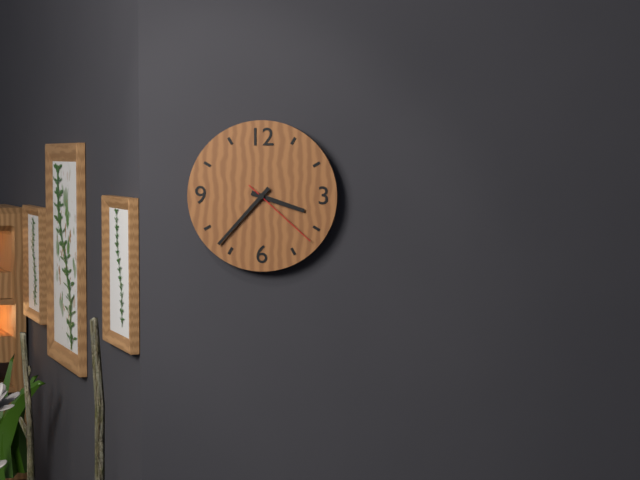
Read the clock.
3:37:22
